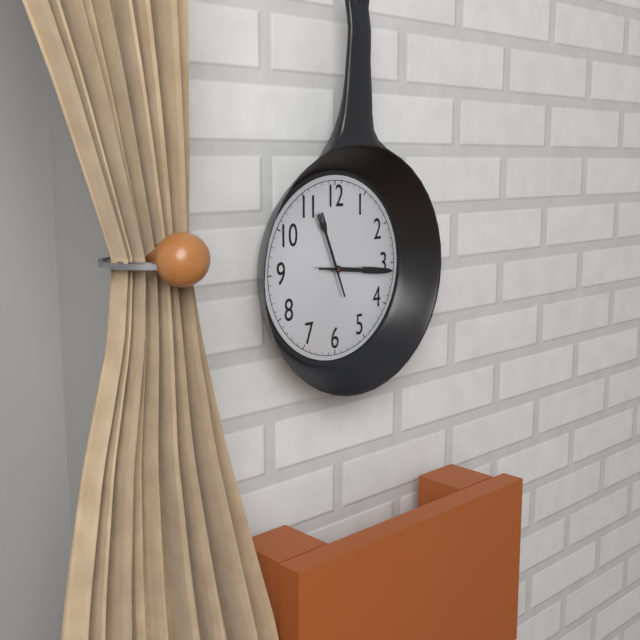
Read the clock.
11:16
